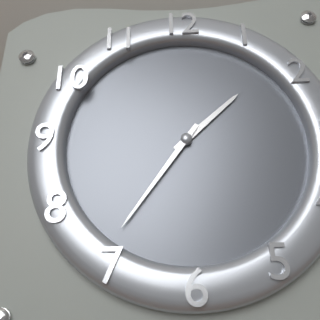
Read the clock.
1:36
